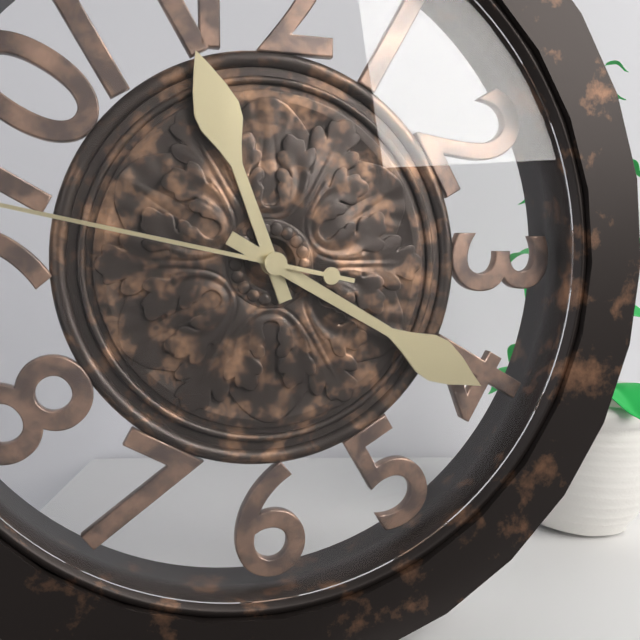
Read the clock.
11:20
